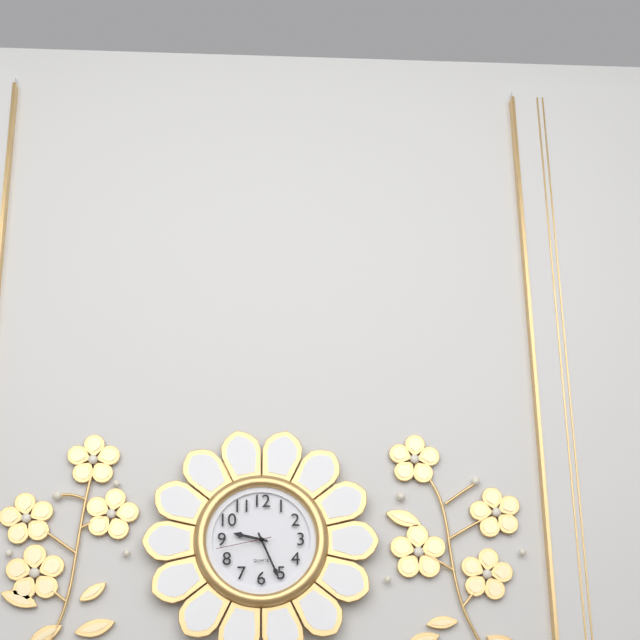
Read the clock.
9:26:43
